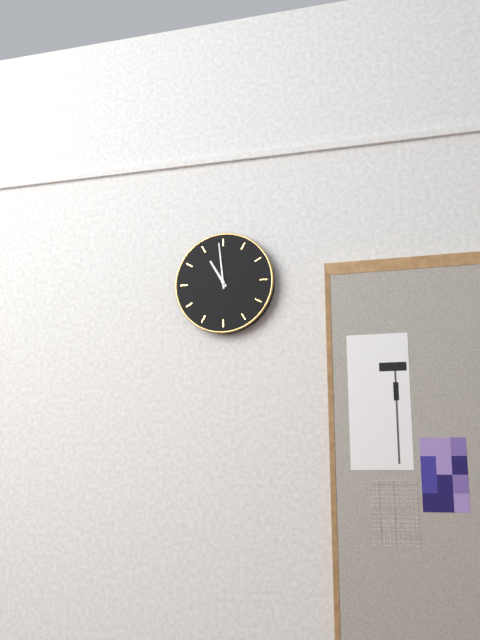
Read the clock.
10:59
